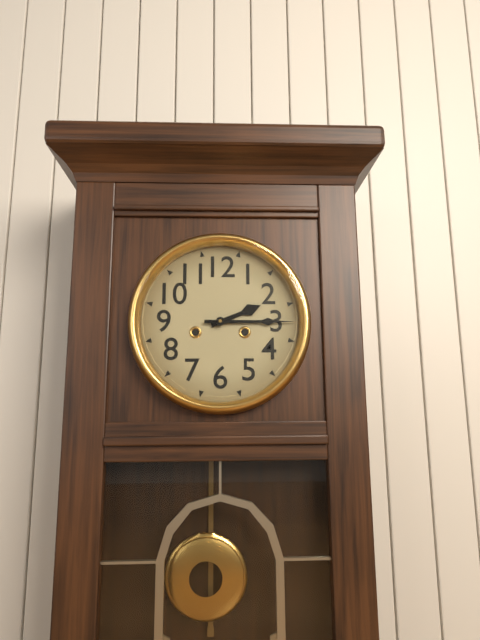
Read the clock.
2:15
